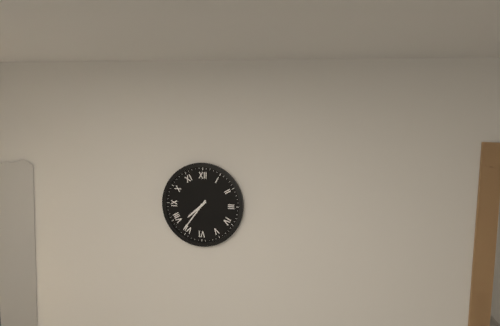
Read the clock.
7:36
